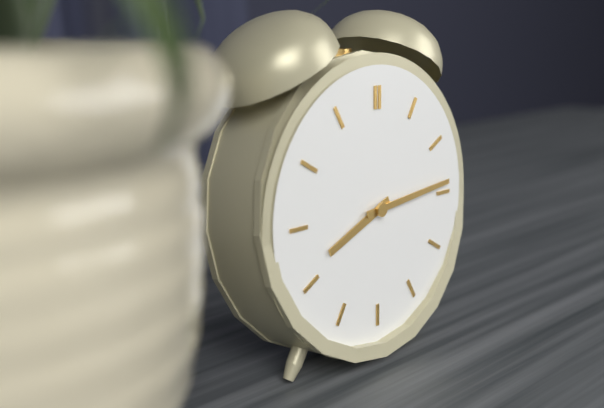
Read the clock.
8:14
